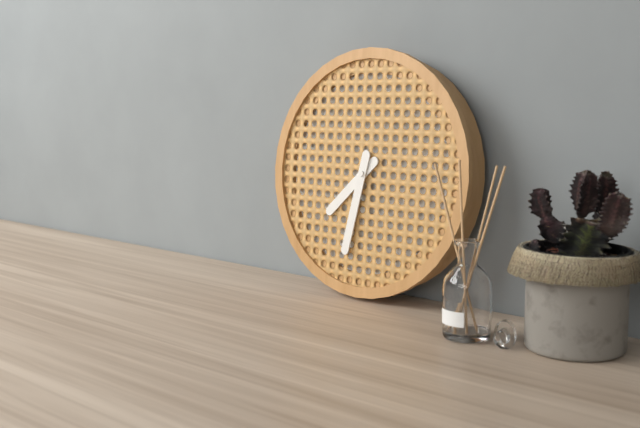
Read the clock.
7:32
